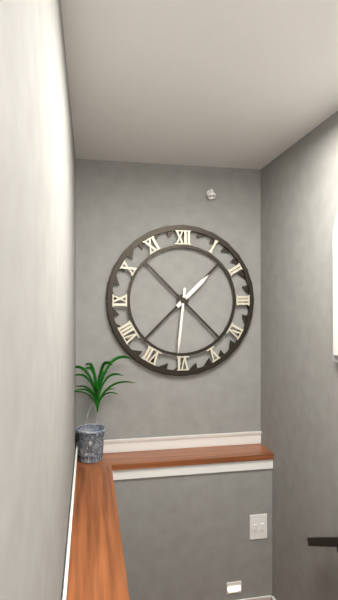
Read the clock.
1:31
